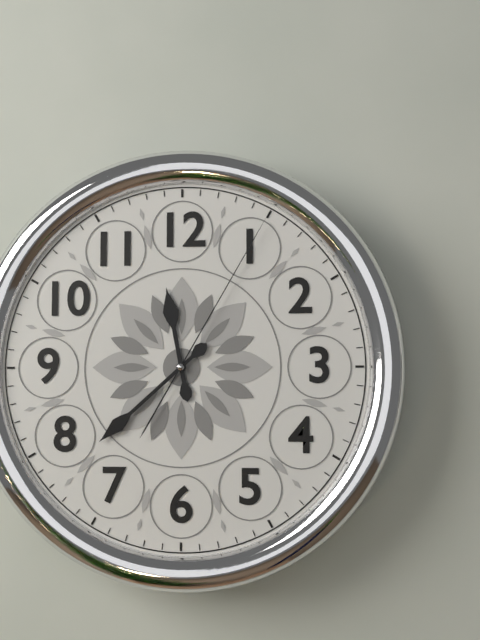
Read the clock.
11:38:05
